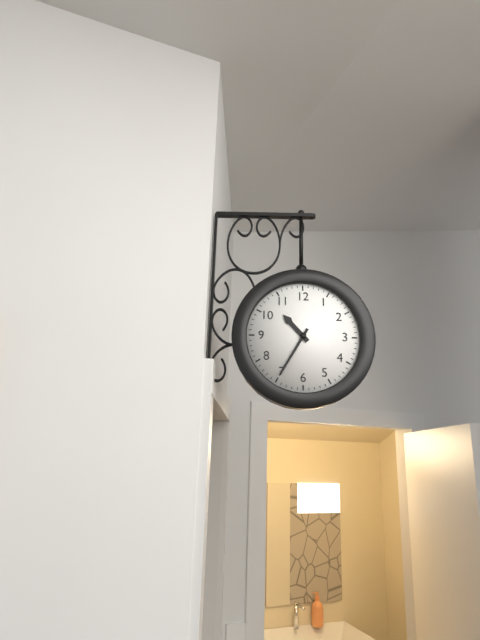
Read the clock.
10:35
